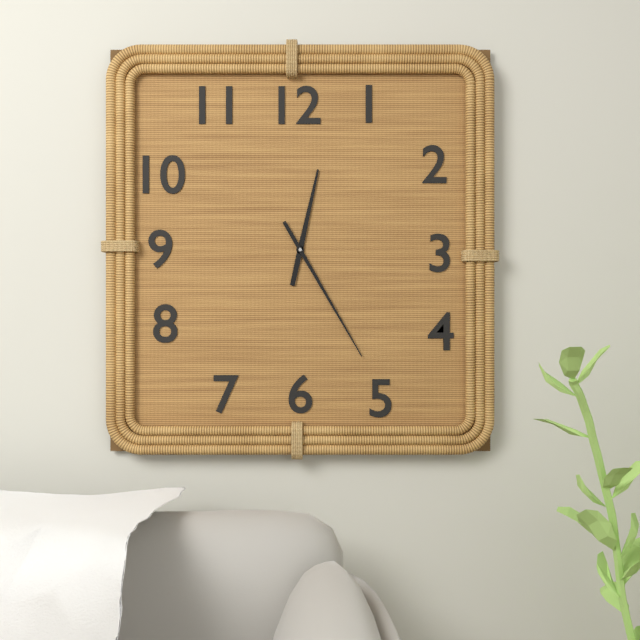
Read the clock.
12:25
